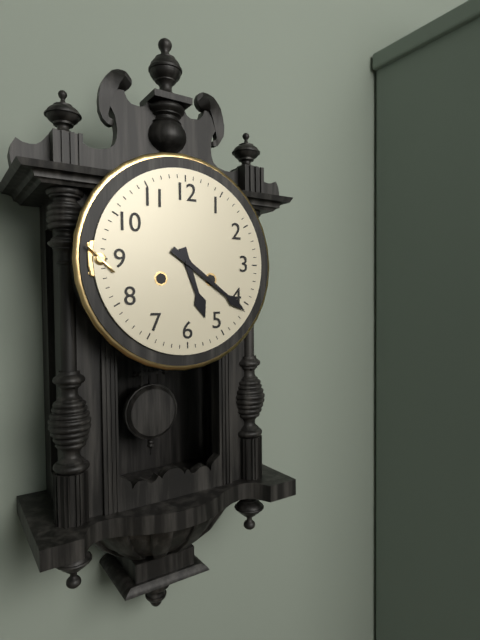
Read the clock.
5:21
